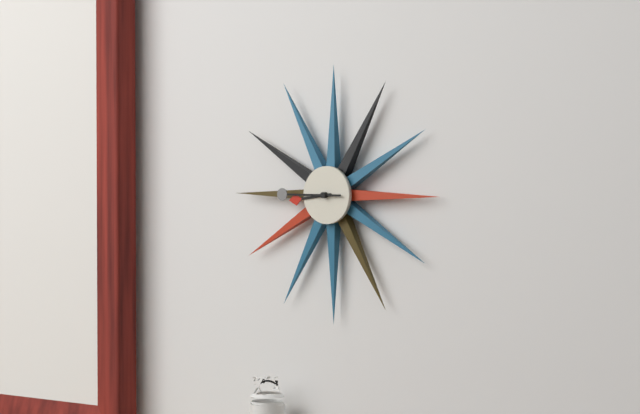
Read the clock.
8:45
